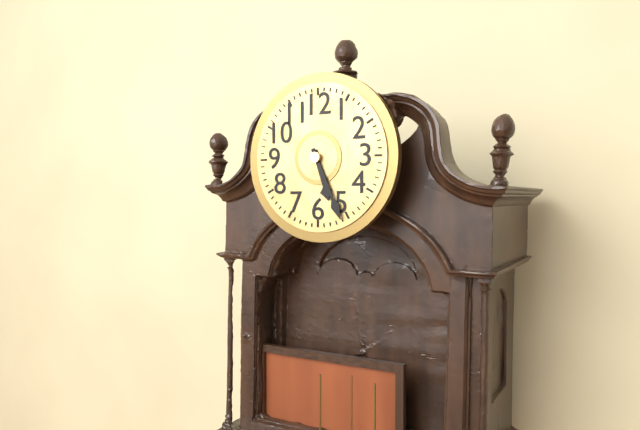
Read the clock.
5:26
